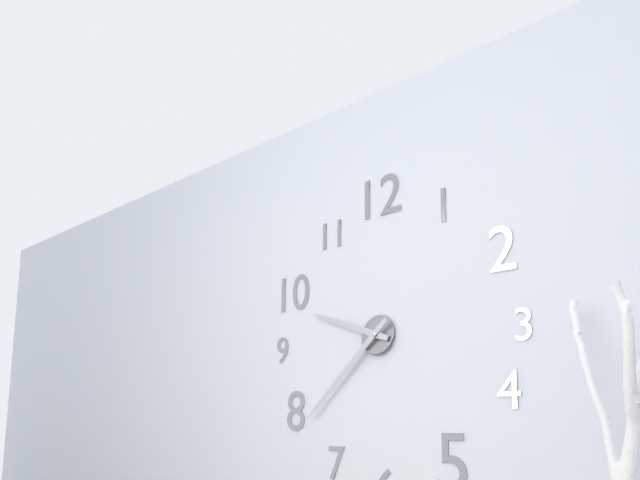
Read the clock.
9:38
